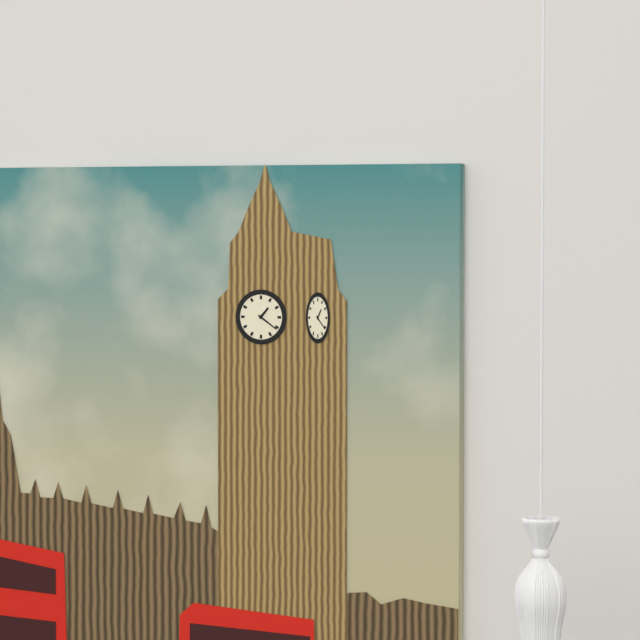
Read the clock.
1:21
